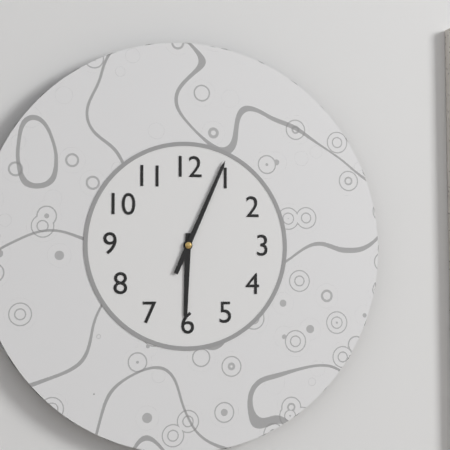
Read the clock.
6:04
